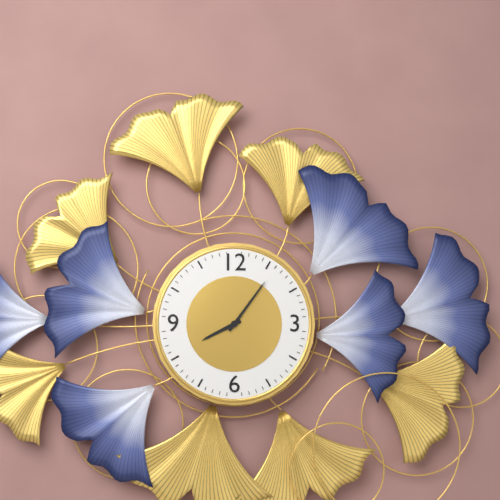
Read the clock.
8:06
